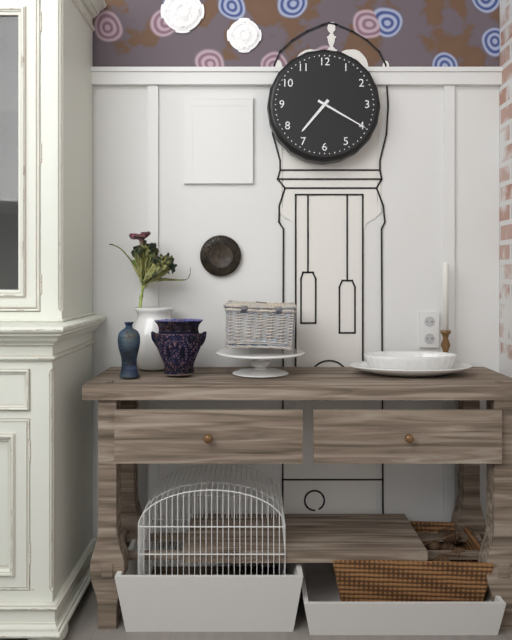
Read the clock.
7:20
